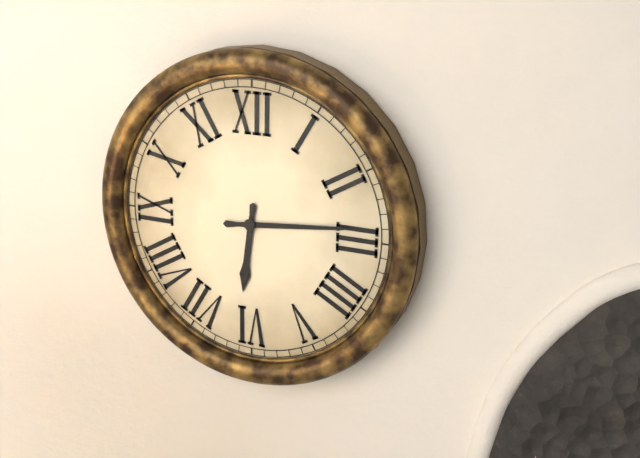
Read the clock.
6:14
